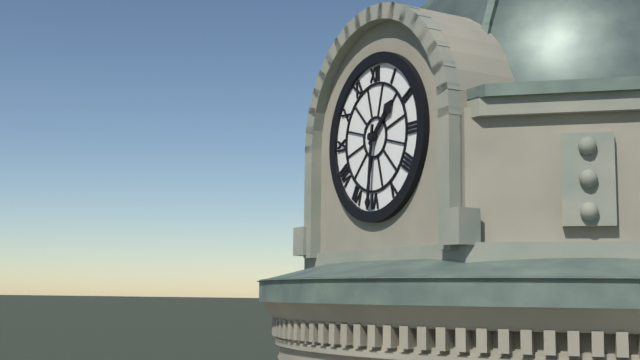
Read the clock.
1:31
